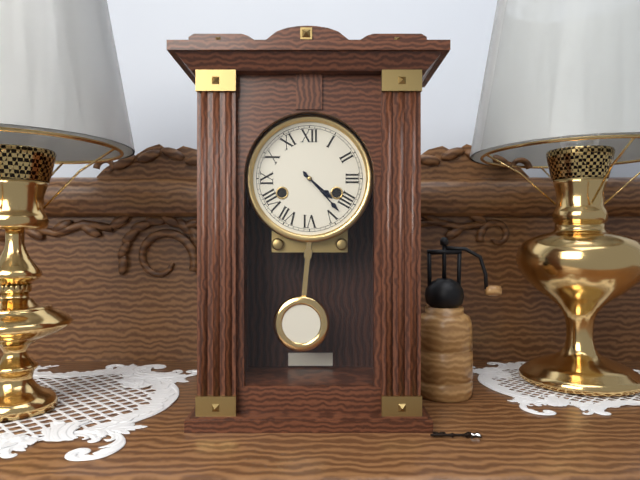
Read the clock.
4:23
